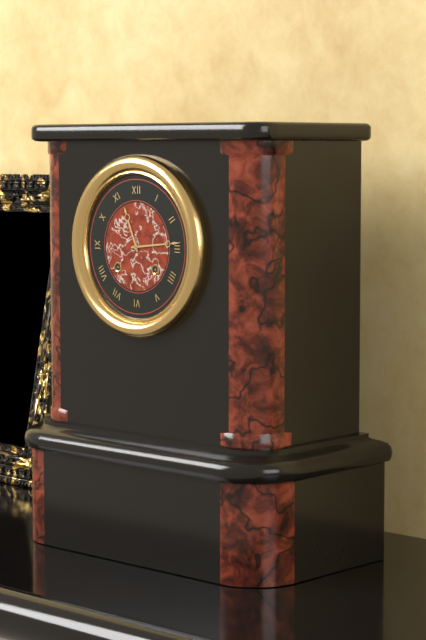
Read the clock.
11:14
